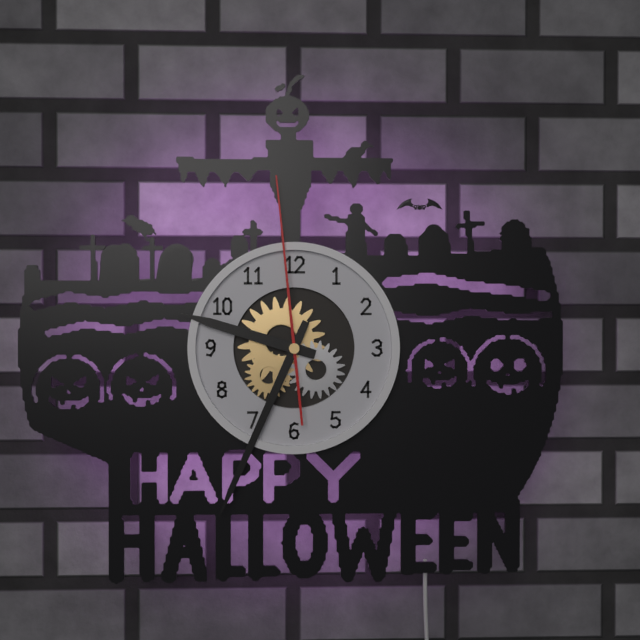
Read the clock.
9:34:59
